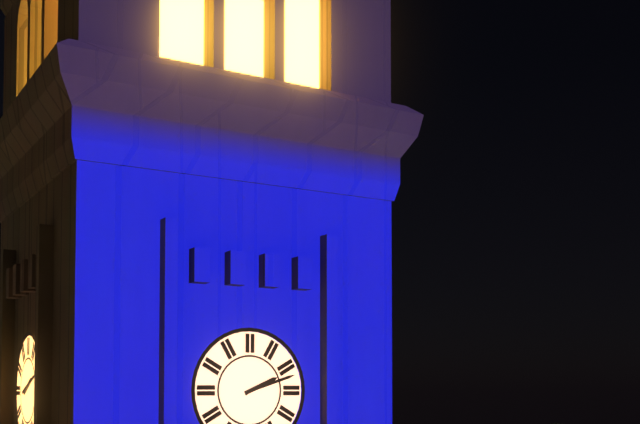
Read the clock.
2:12
